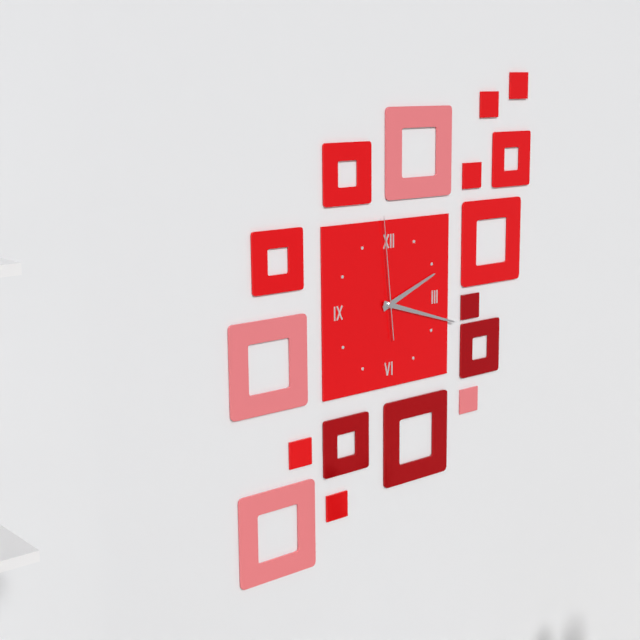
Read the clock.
2:18:59
